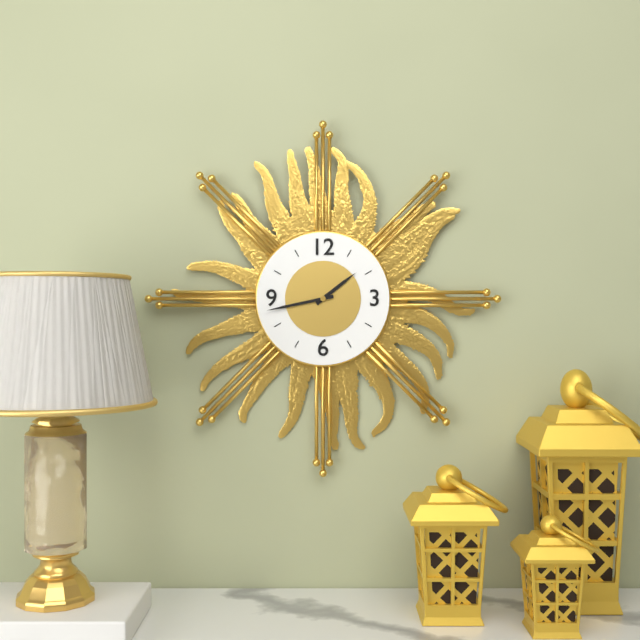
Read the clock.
1:43
